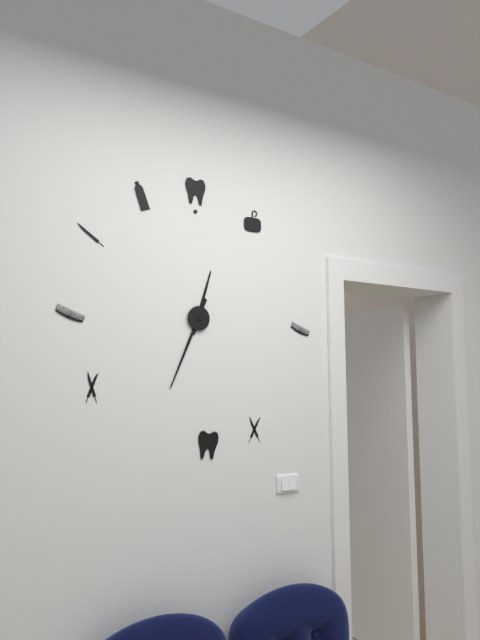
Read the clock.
12:34
